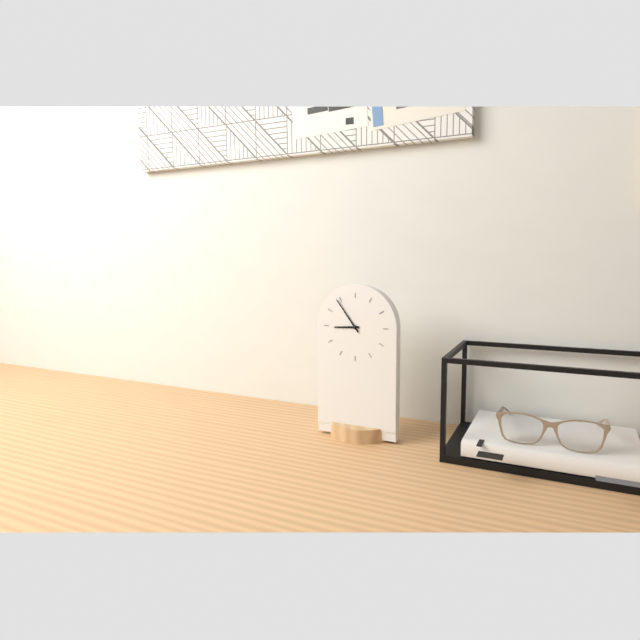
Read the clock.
8:54
